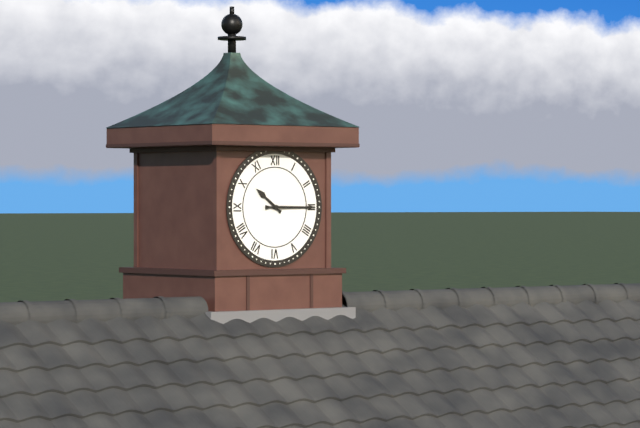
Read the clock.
10:15
